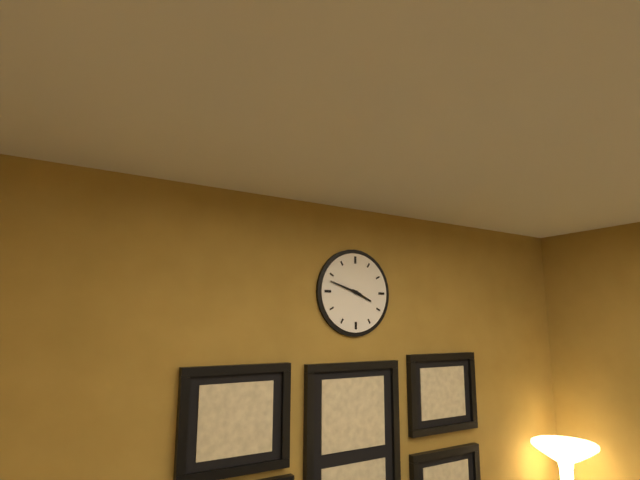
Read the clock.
3:48
